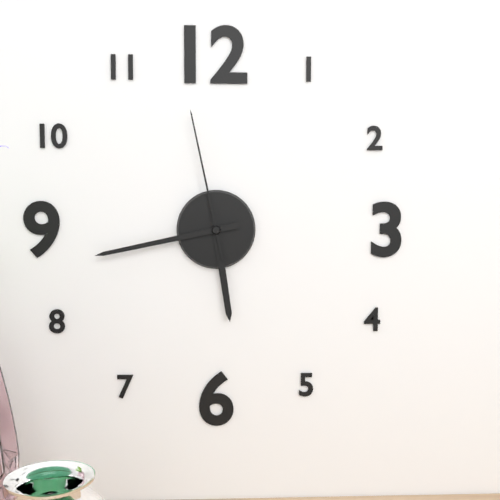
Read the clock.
5:43:58
